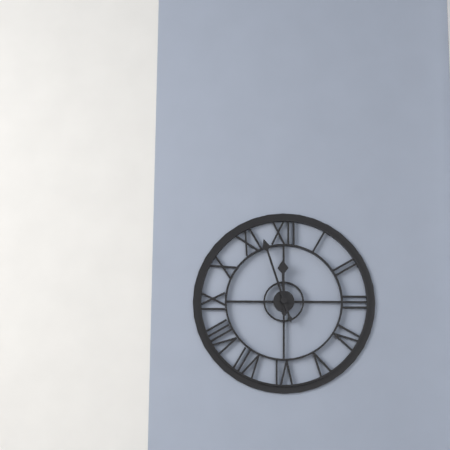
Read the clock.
11:57
